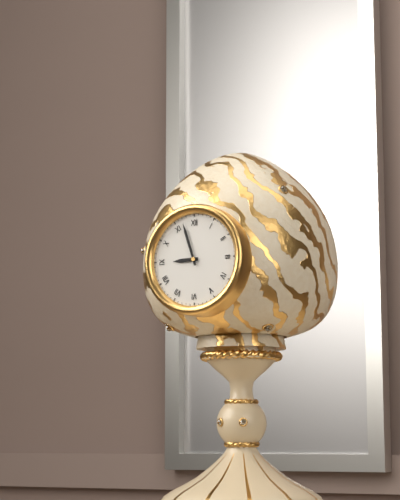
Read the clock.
8:57
